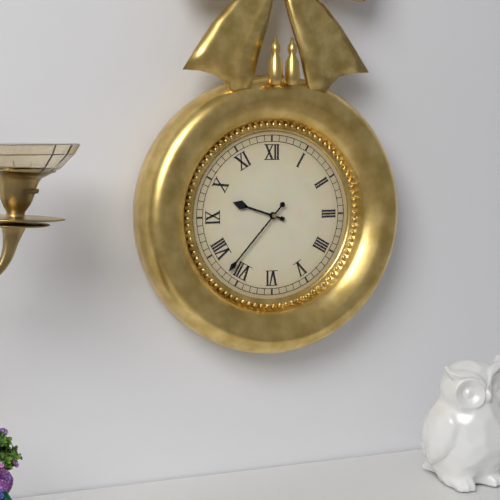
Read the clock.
9:37
